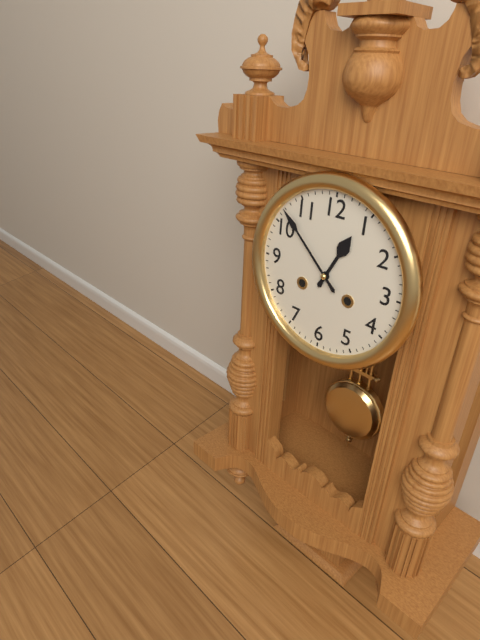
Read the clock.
12:52
